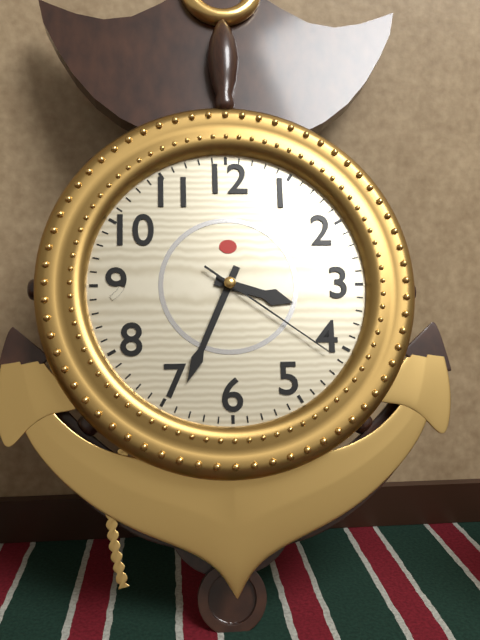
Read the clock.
3:34:21
